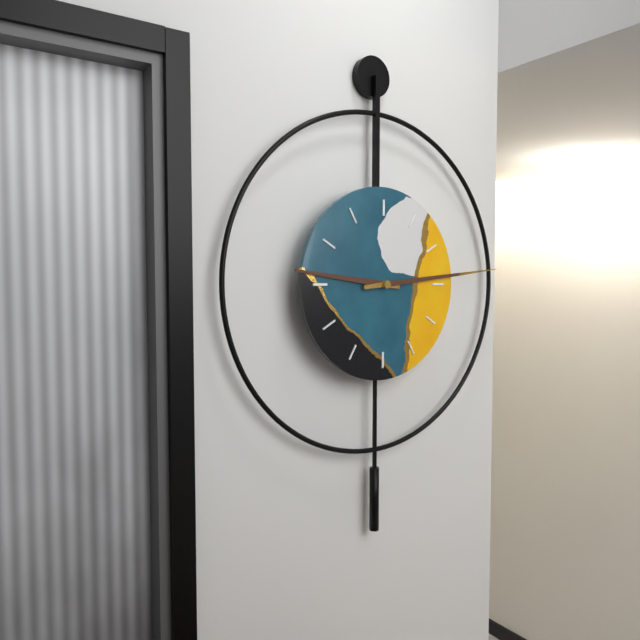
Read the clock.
9:14
